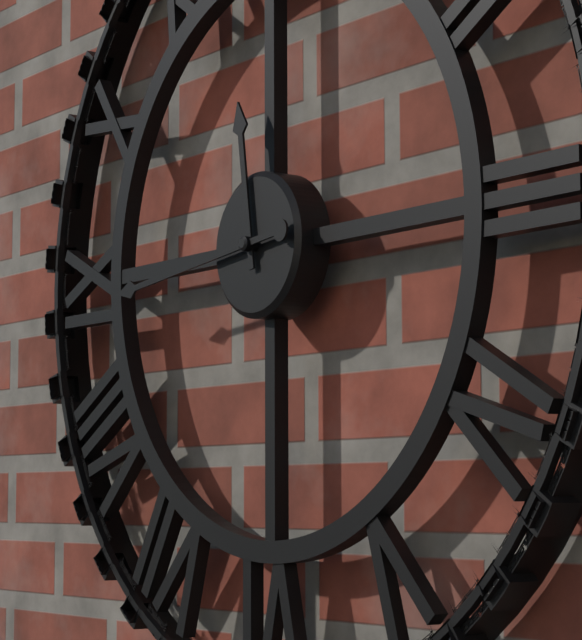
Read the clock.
11:44
